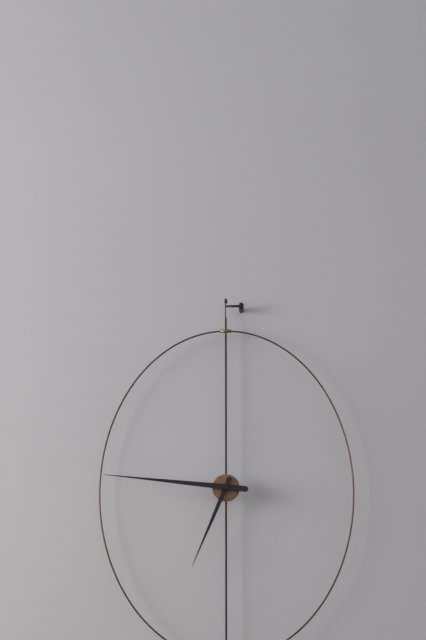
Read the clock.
6:46
